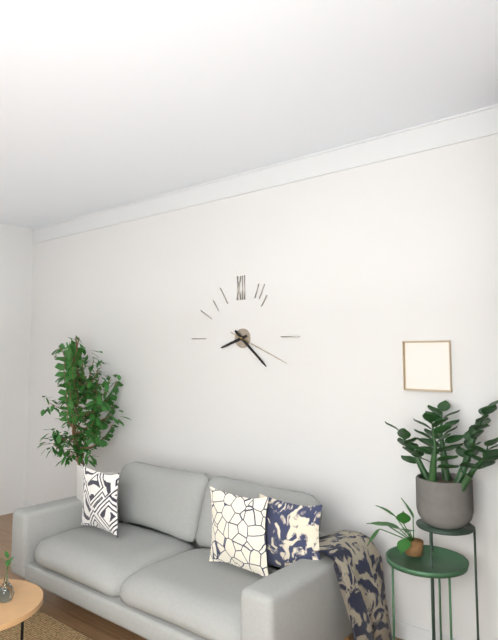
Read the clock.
8:22:19
